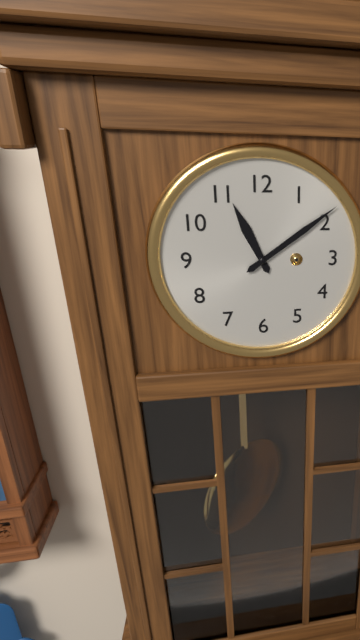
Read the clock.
11:09
